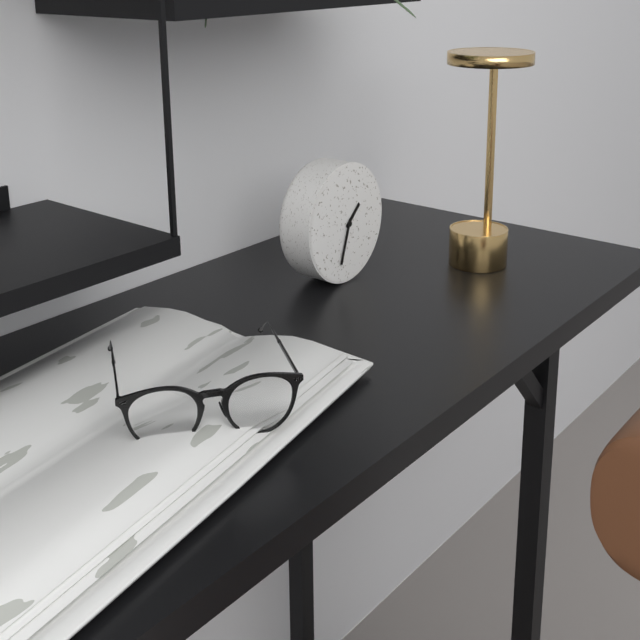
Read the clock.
1:33
